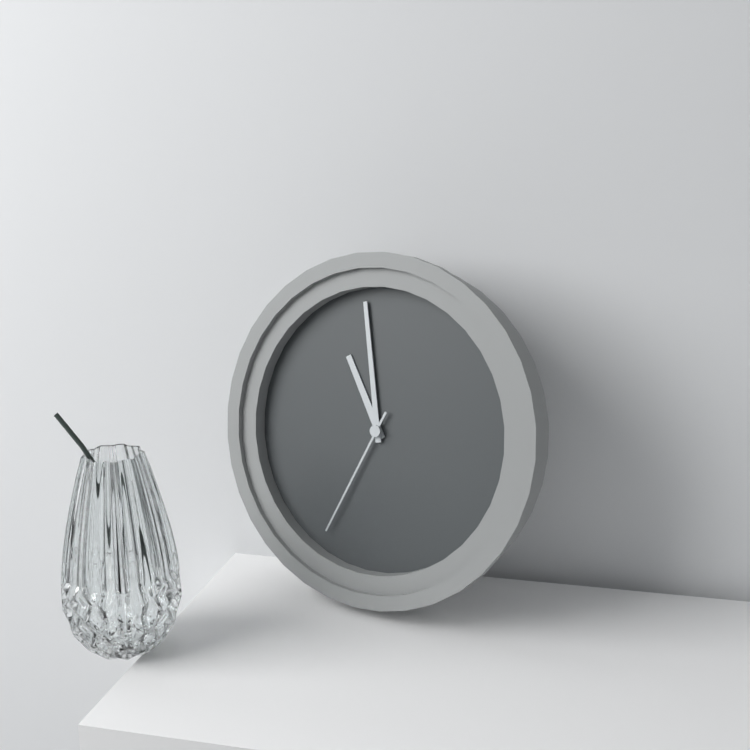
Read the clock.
10:58:34
